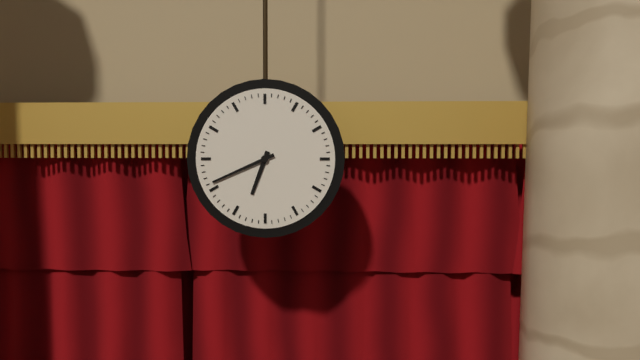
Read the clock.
6:41
